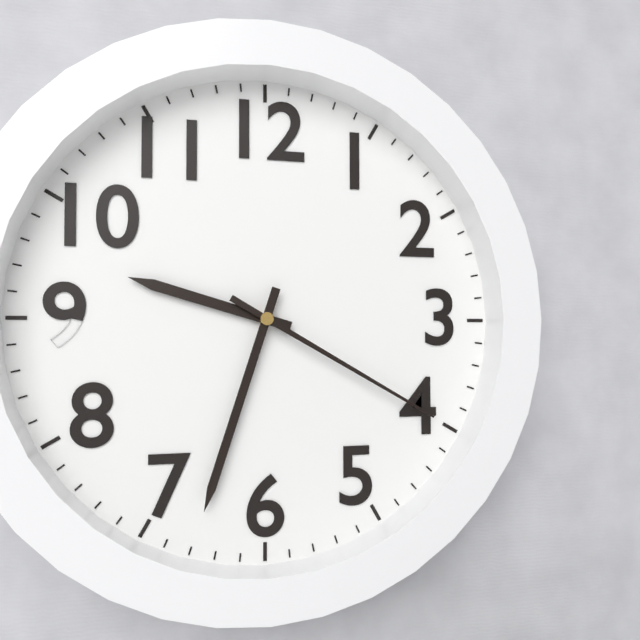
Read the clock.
9:33:20
